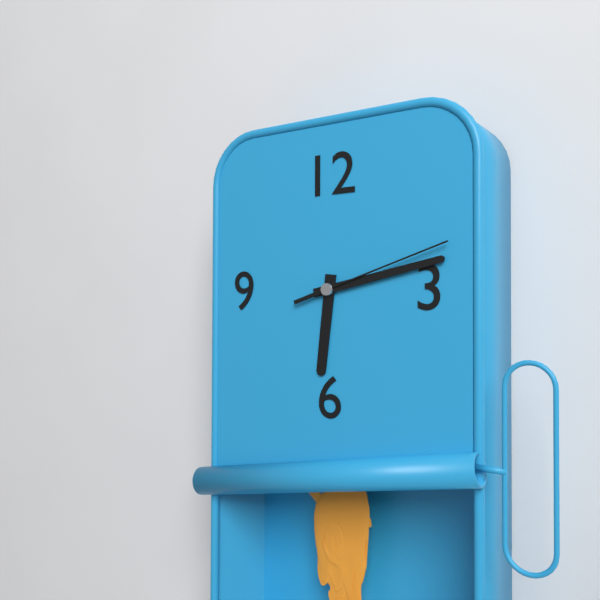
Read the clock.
6:13:12
